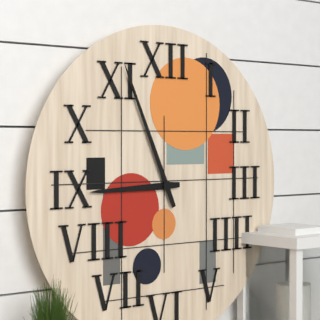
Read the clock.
8:56
